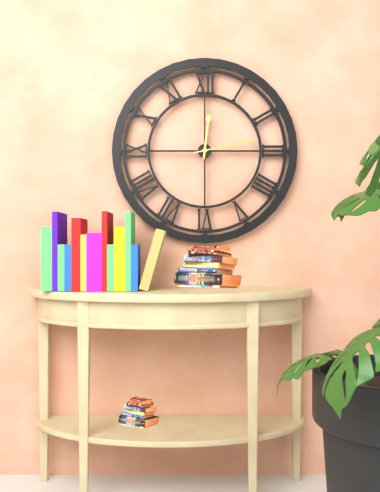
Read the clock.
12:13
